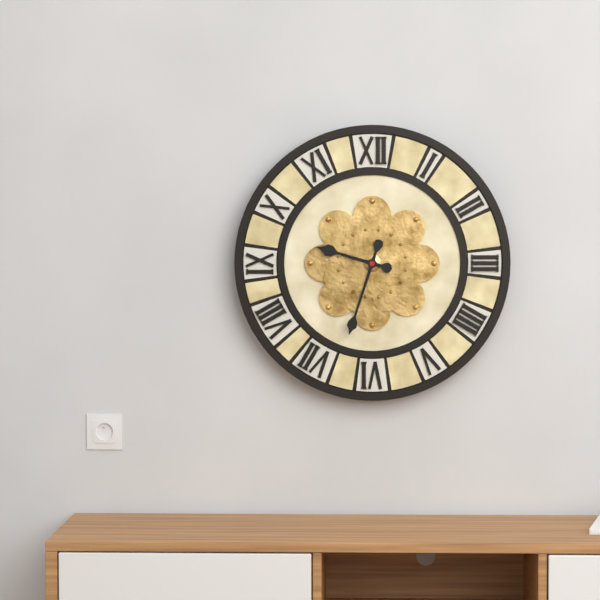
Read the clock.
9:33
